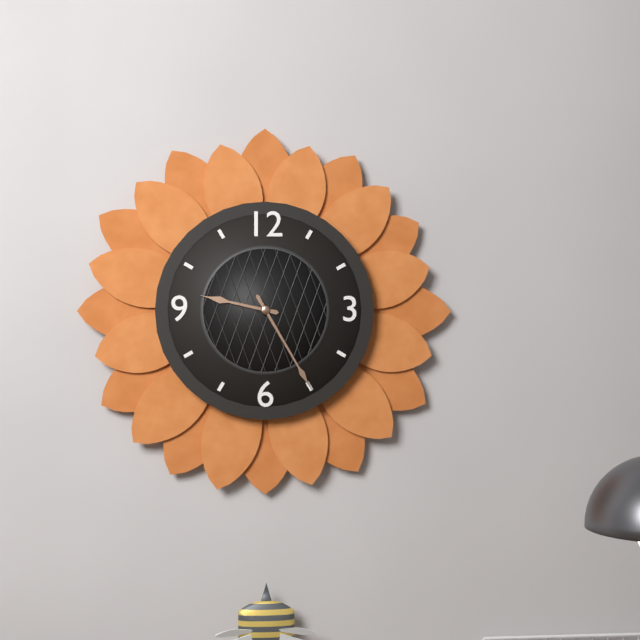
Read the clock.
9:25
